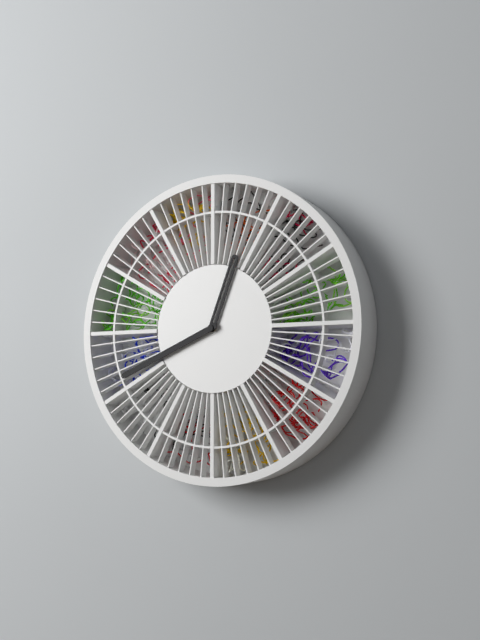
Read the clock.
12:41
